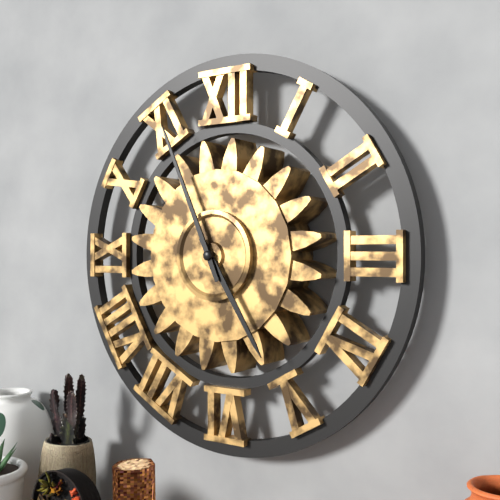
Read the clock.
4:56
